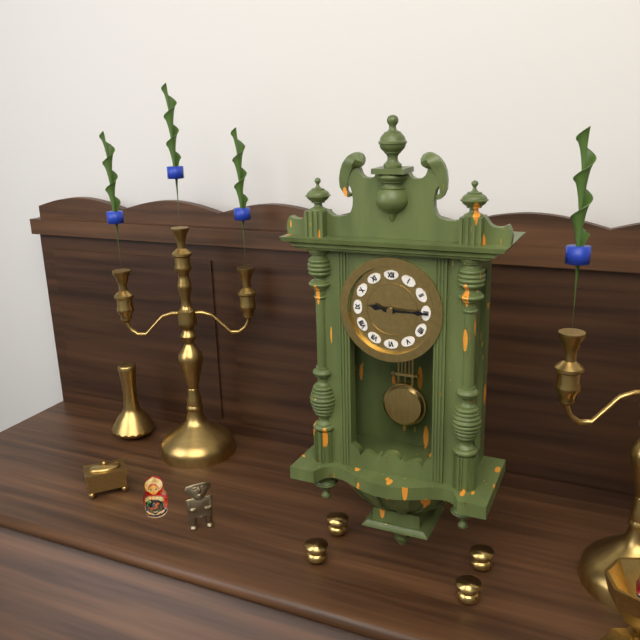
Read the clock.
9:15
